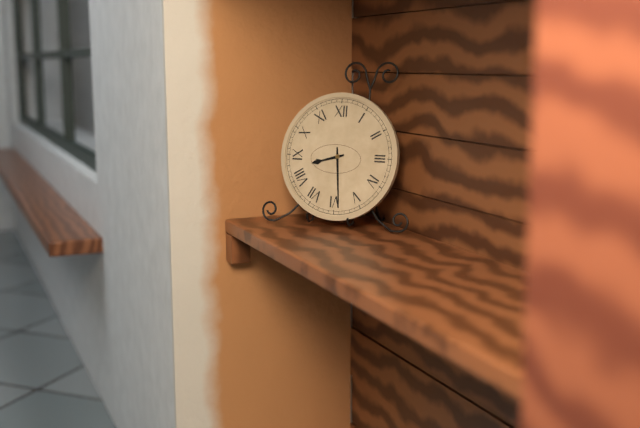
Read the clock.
8:29
